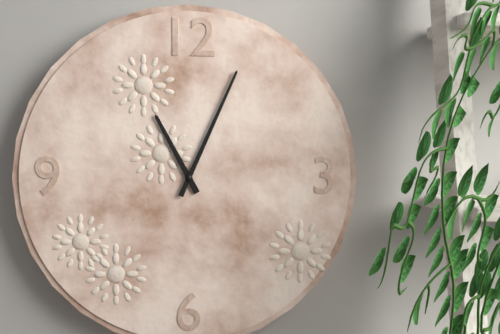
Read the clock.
11:04
